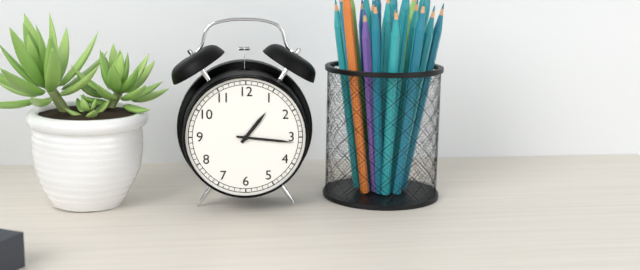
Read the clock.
1:16
